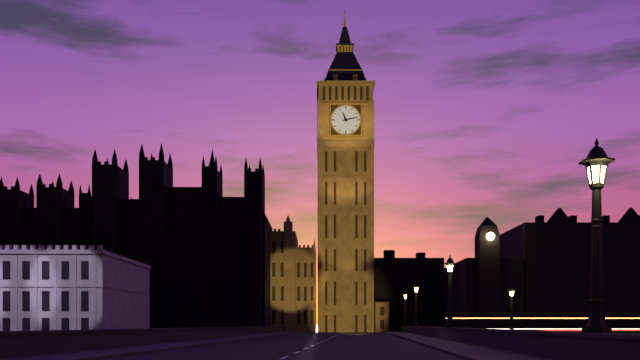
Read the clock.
11:13
